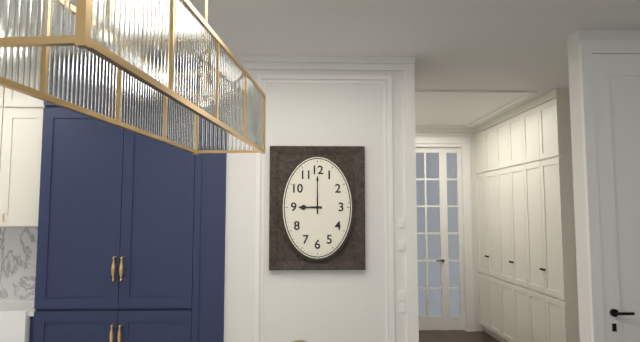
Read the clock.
9:00
